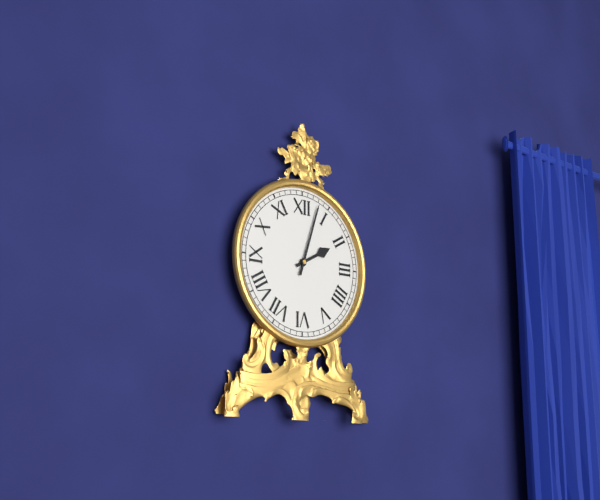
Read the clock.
2:03
